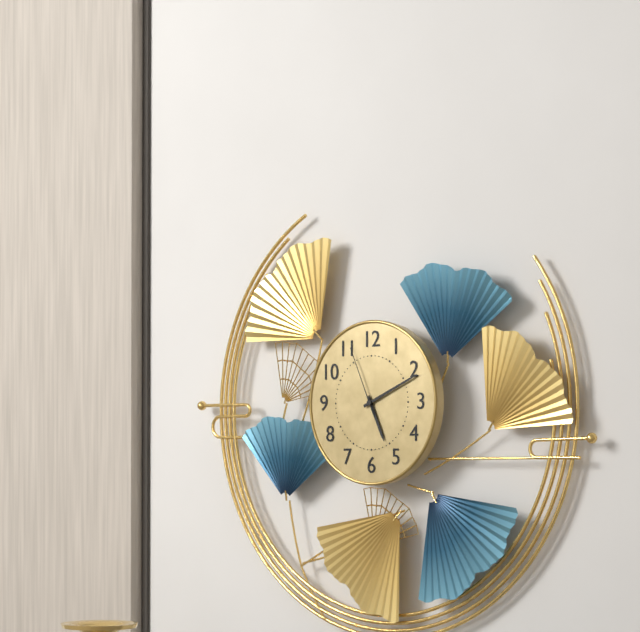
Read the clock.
5:11:56
